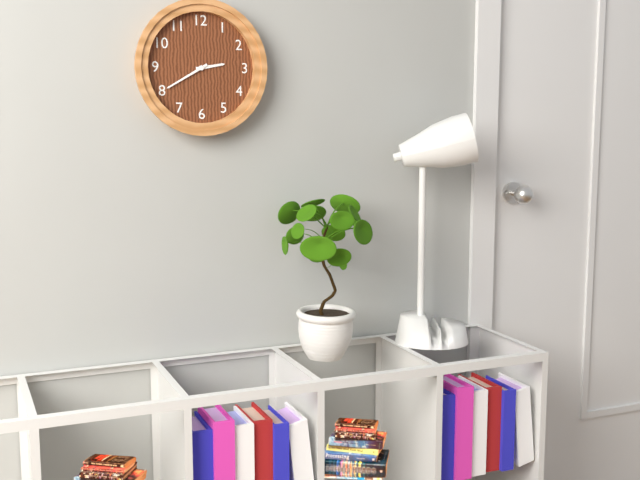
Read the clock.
2:40
